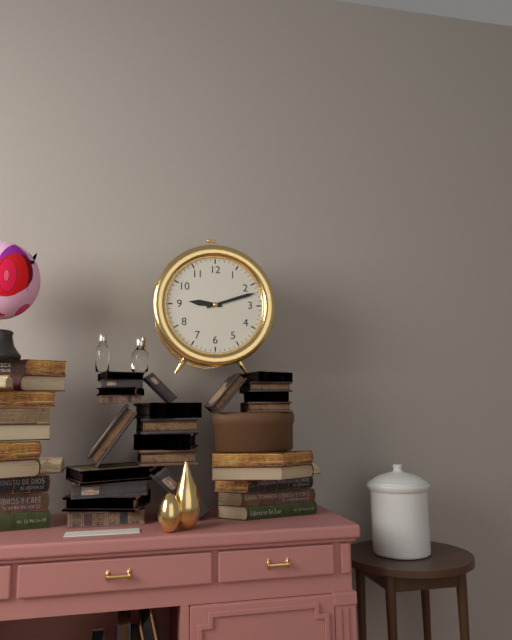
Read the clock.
9:12
